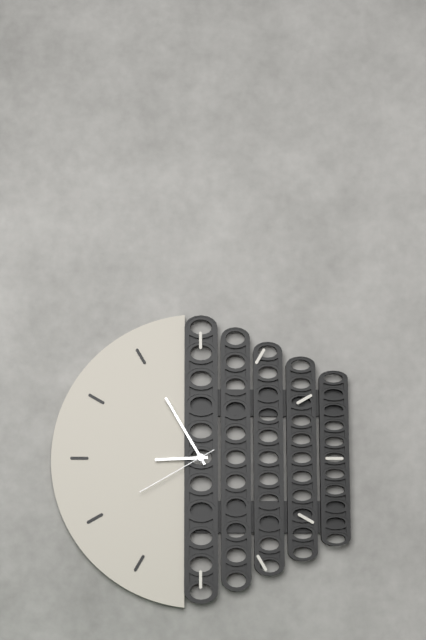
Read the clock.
8:55:40
